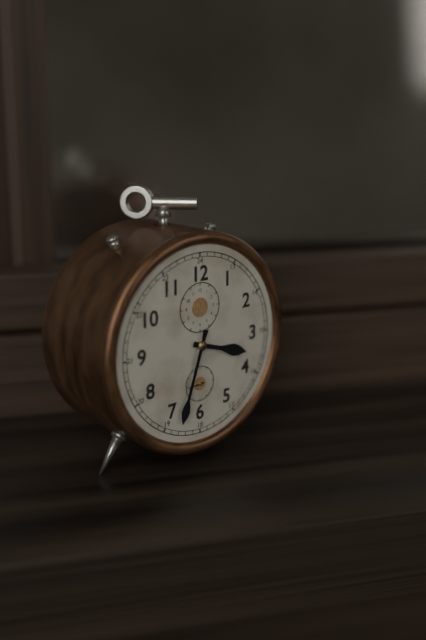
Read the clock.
3:33
